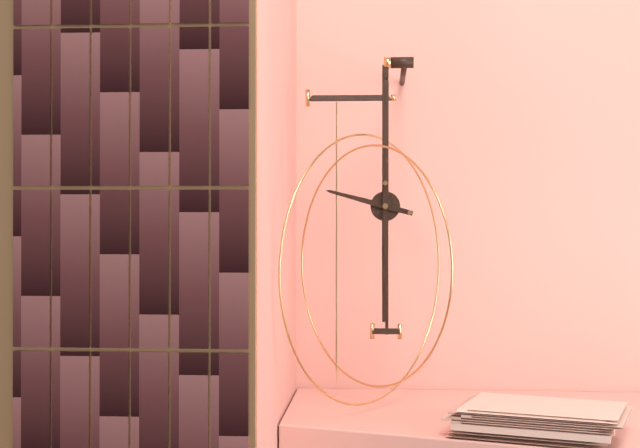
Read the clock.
9:30
